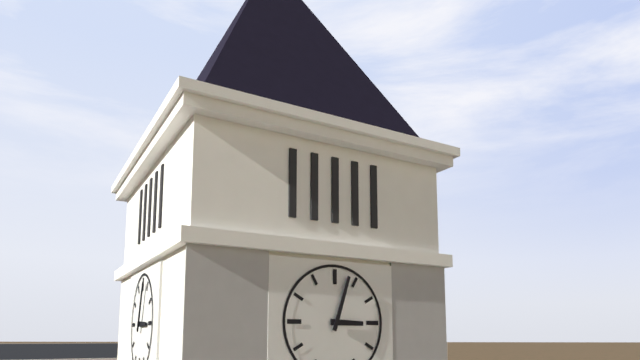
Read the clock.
3:03
